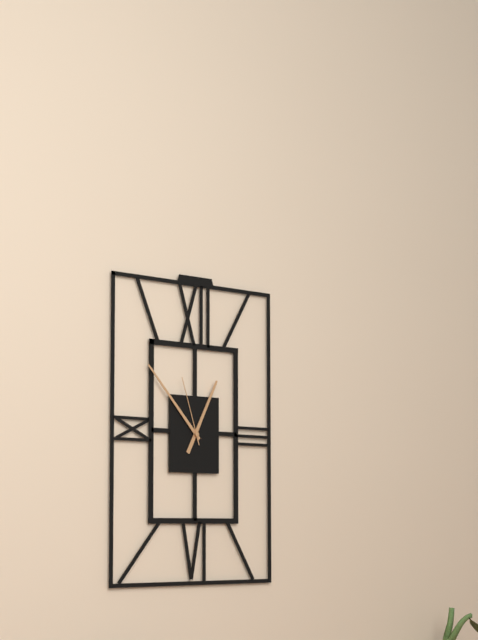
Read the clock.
12:53:57
